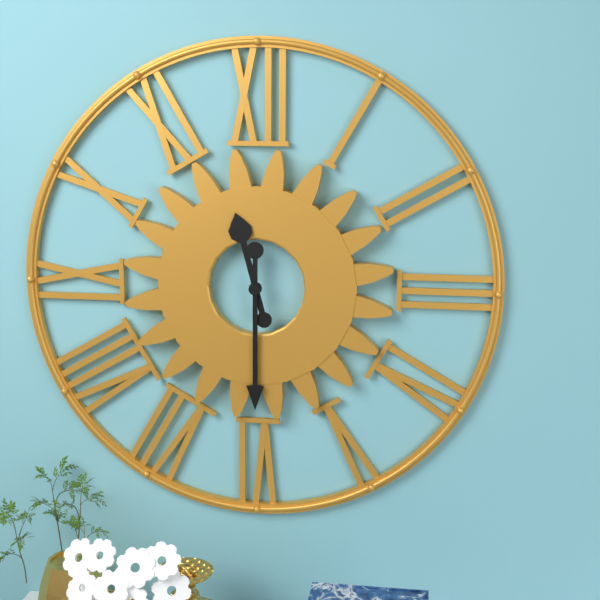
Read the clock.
11:30
